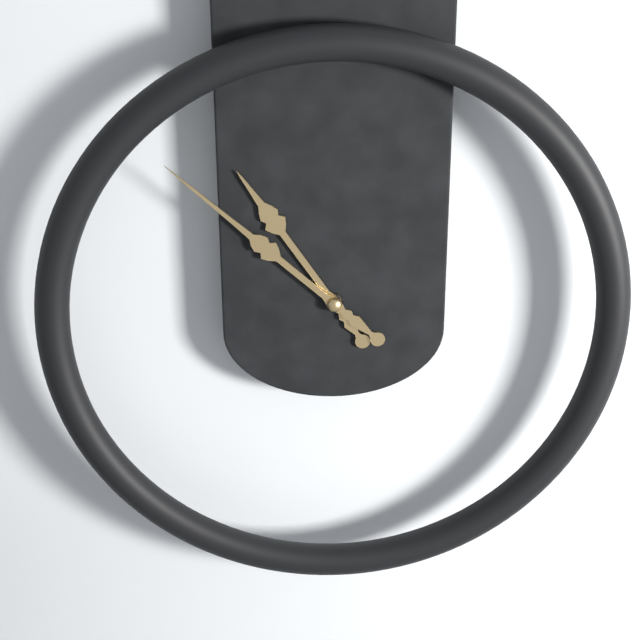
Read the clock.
10:52
